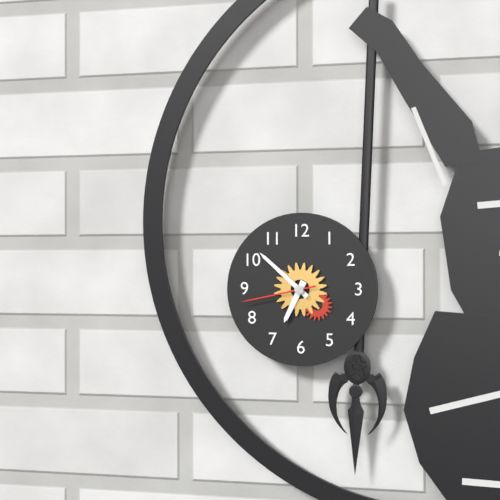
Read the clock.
6:52:43
